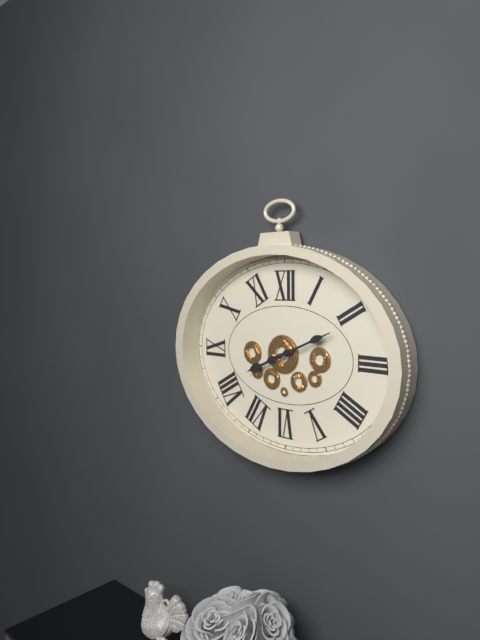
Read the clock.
8:11
